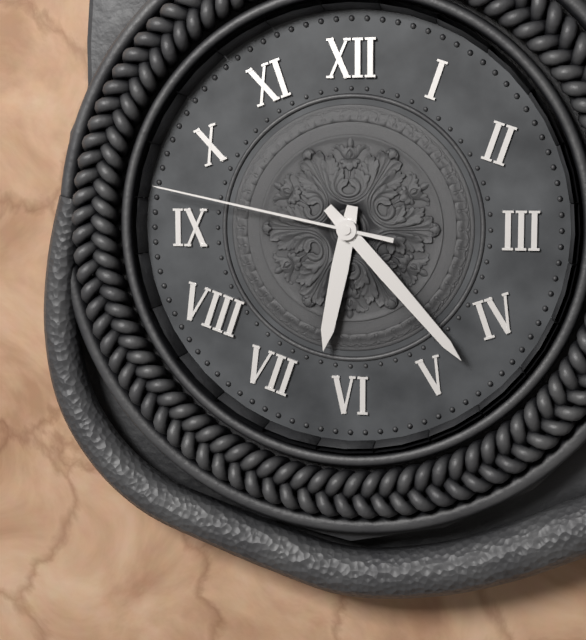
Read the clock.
6:23:47
